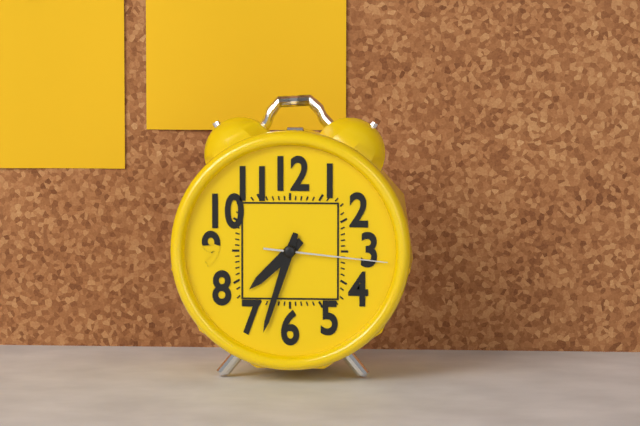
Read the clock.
7:33:16
